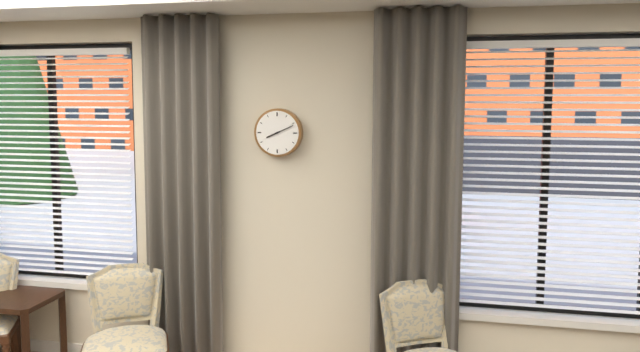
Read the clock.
8:11
